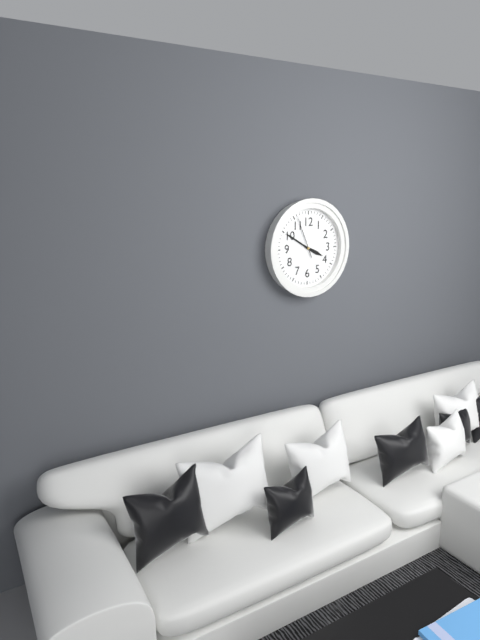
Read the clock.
3:50
